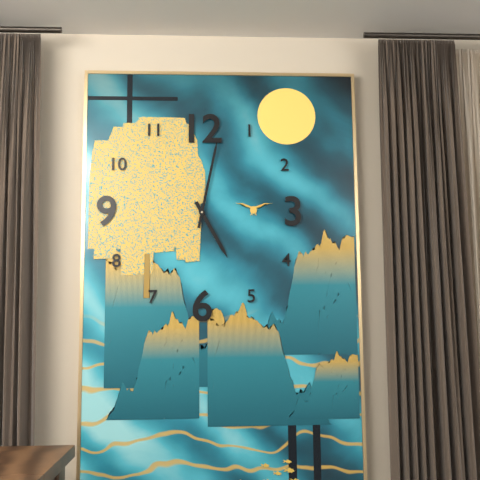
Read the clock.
5:02
